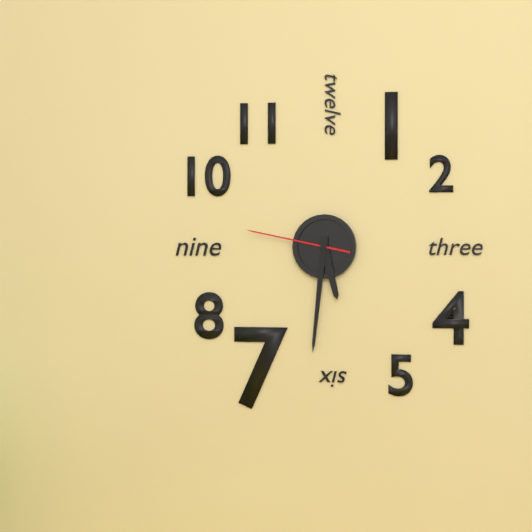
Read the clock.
5:31:47
